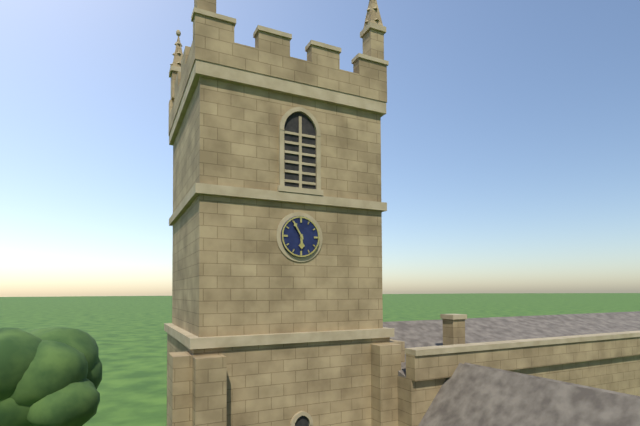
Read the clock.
5:55
